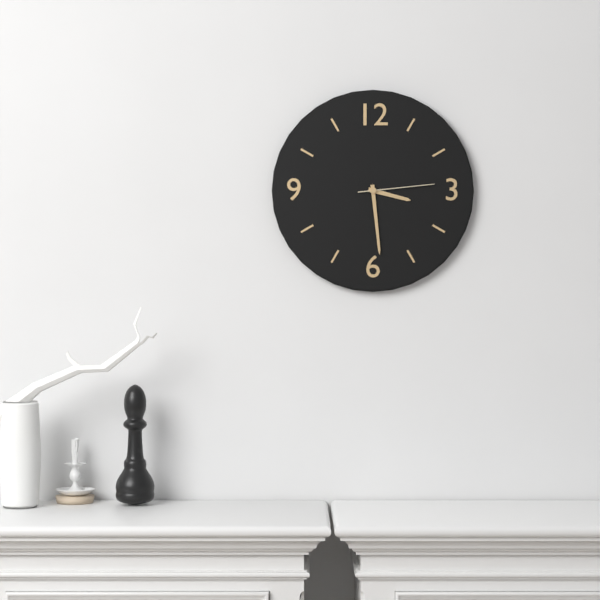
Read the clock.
3:29:14
